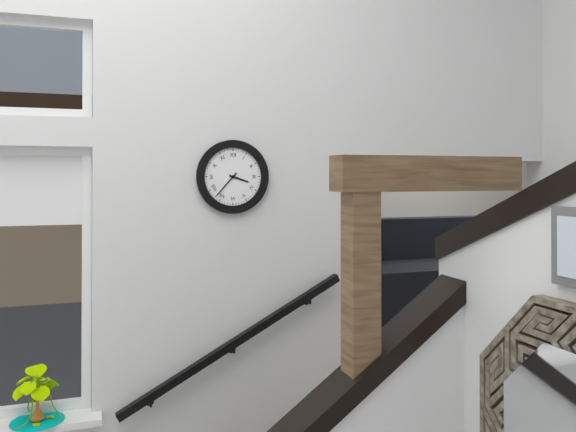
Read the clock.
3:37
